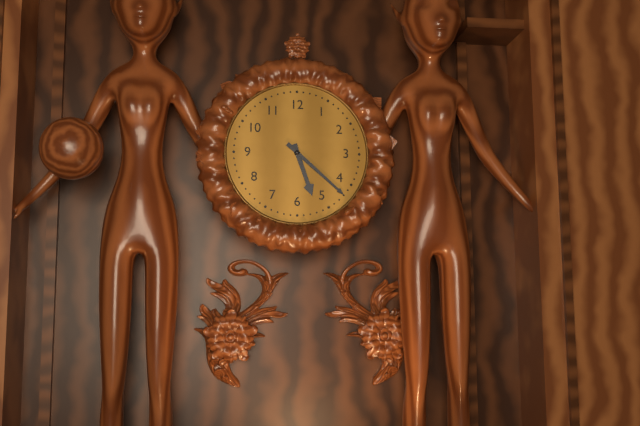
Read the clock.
5:22
